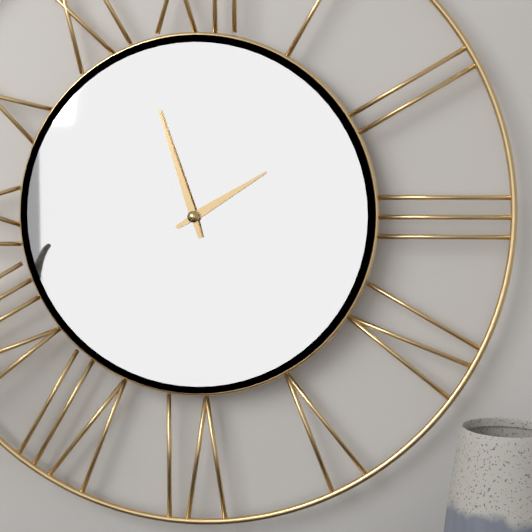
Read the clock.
1:57
